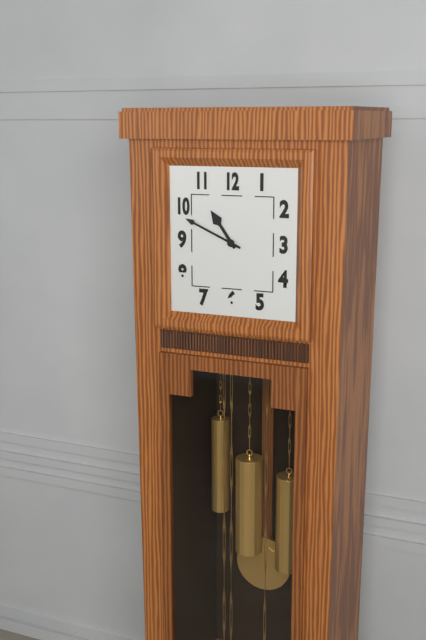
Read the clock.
10:49
